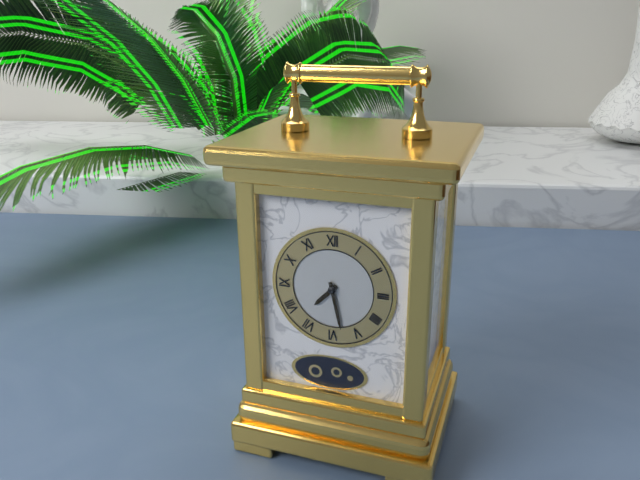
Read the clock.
7:28
